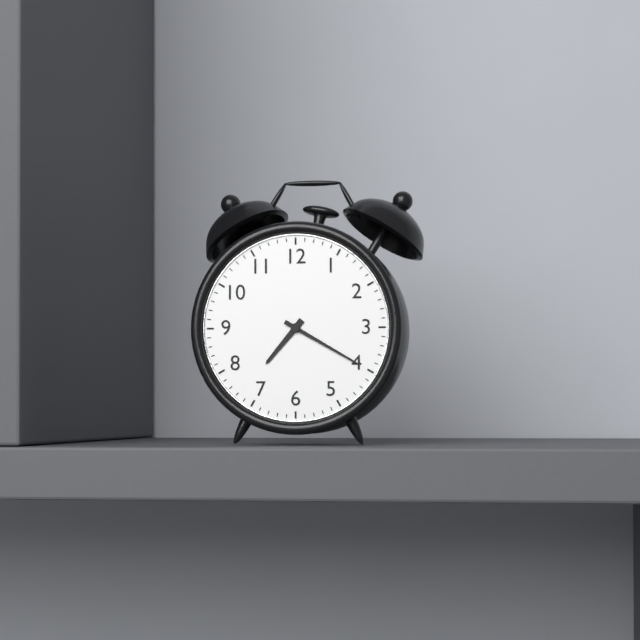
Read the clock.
7:20
